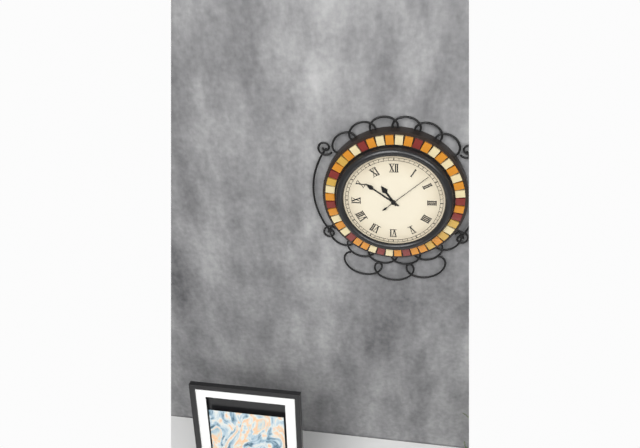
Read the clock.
10:51
